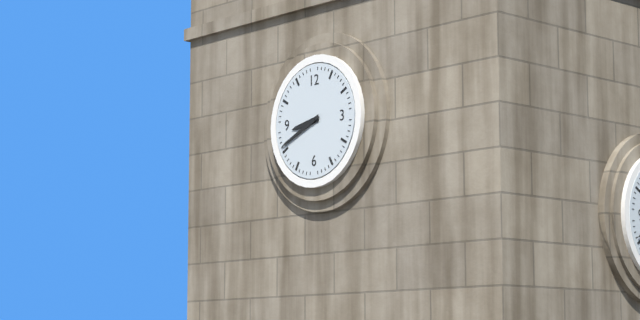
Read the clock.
8:41
